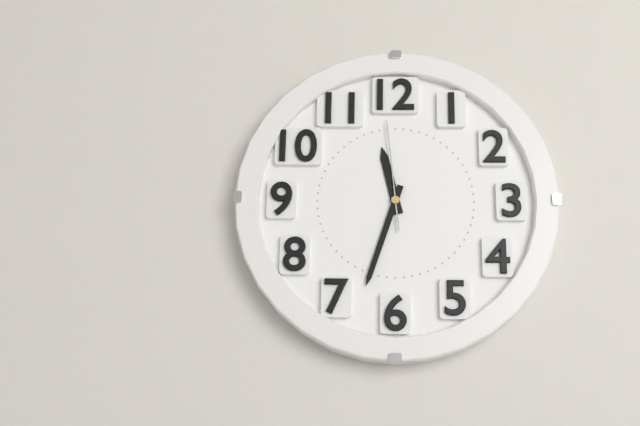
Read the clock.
11:33:59
